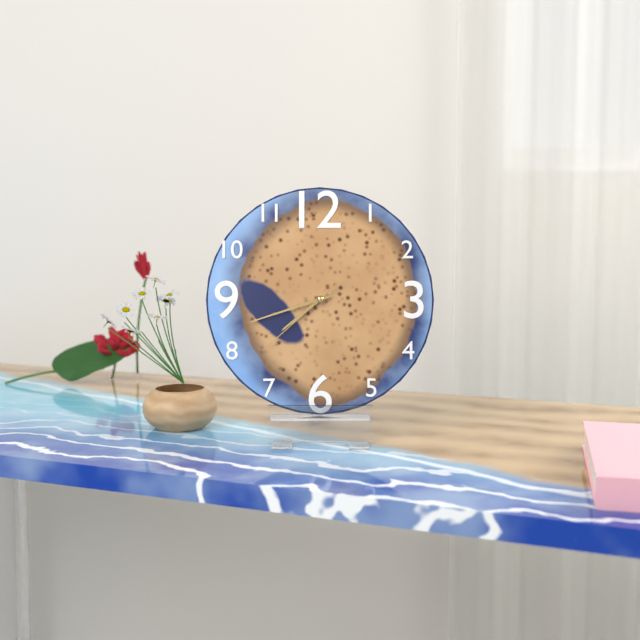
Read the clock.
7:42:38
